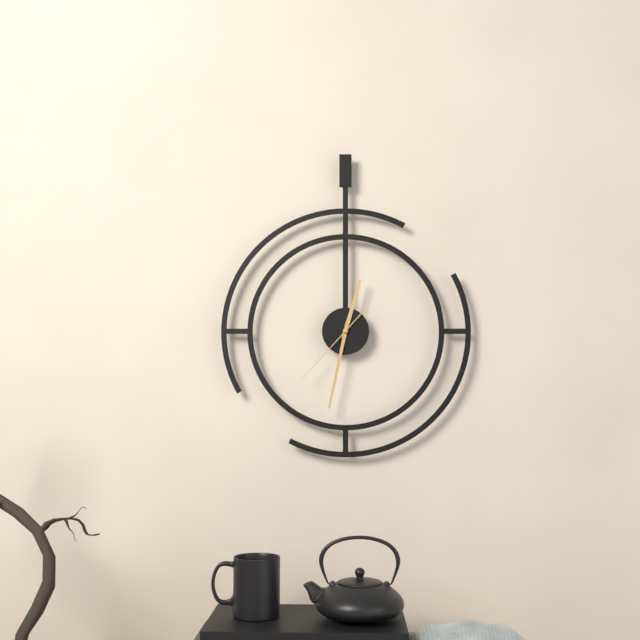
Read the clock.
12:32:37
